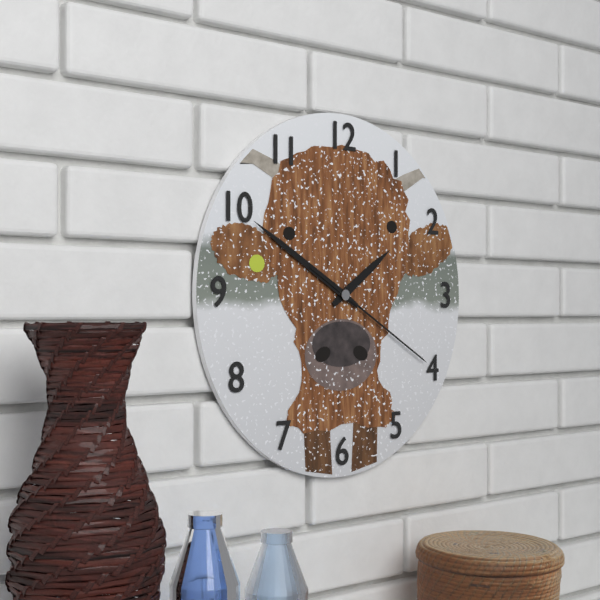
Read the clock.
1:50:20
